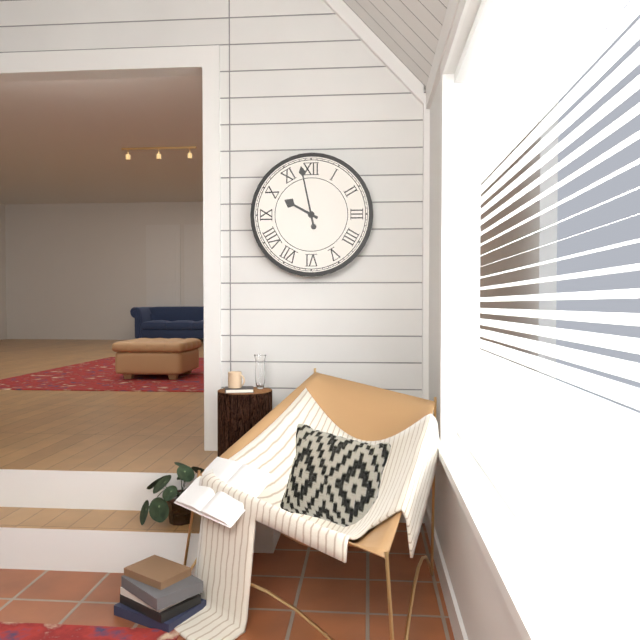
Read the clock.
9:58
